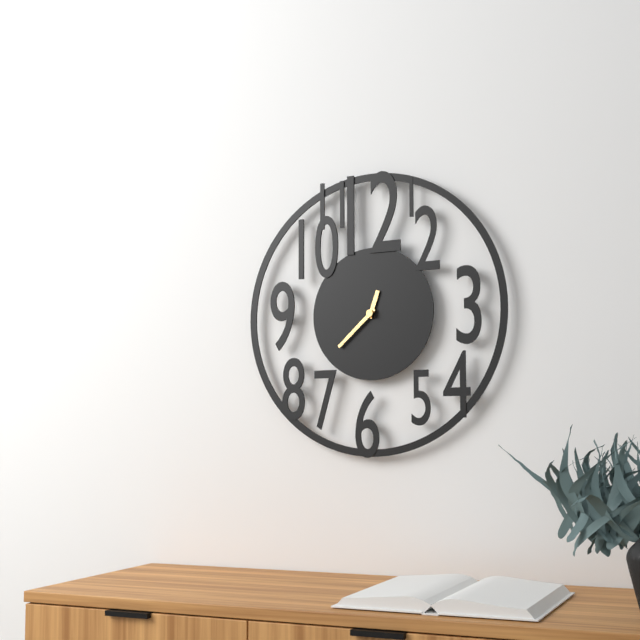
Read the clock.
12:38
